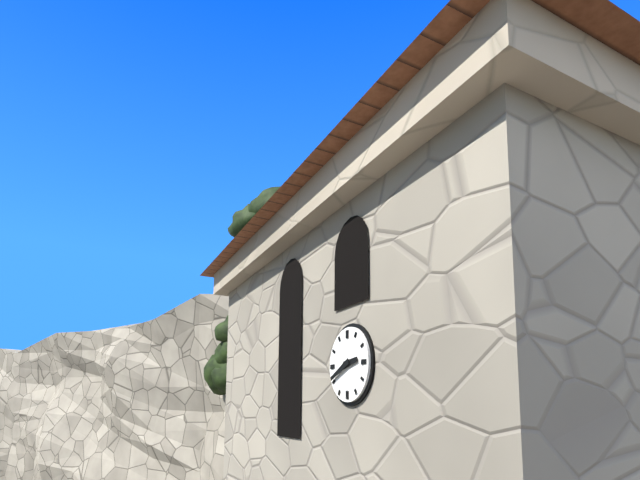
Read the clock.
2:41
